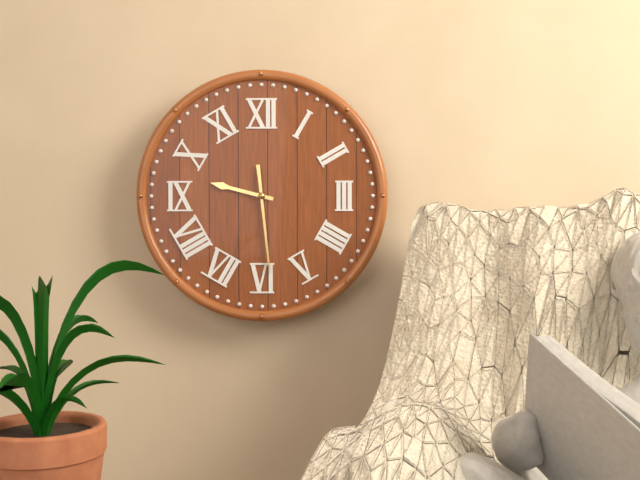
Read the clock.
9:29
